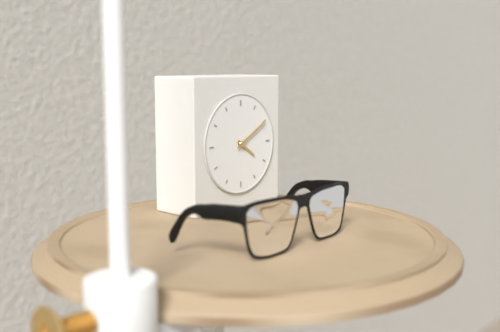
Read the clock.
4:10
